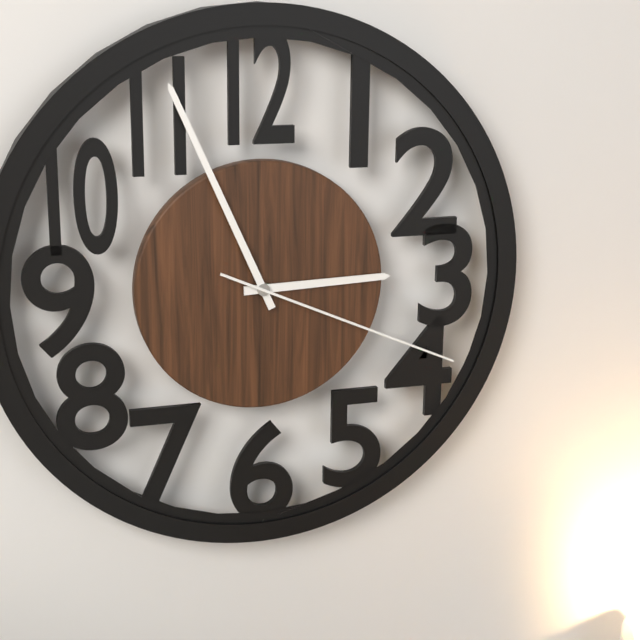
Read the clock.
2:56:19
